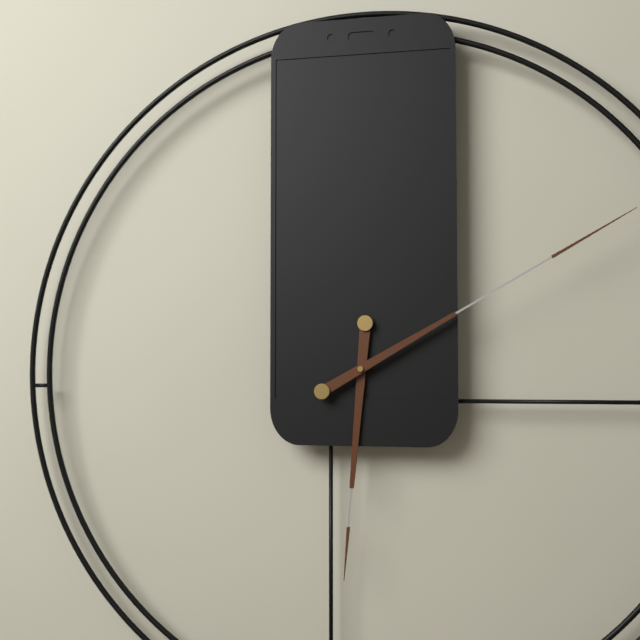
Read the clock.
6:10
